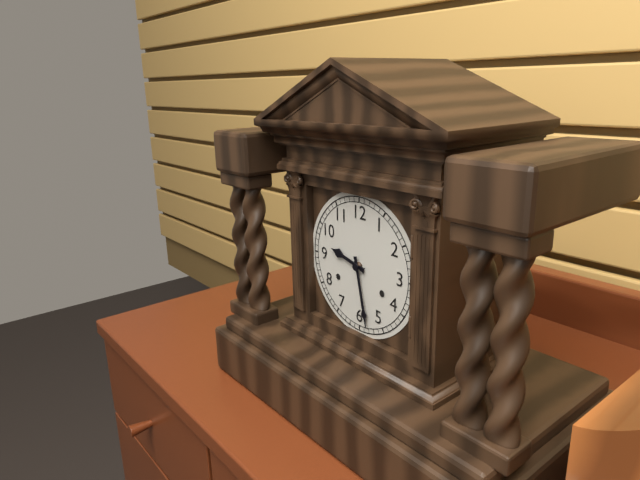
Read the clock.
9:28
